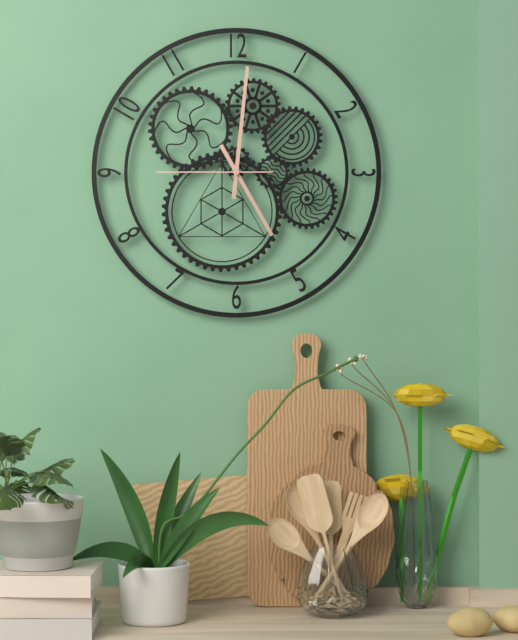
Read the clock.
5:01:45
